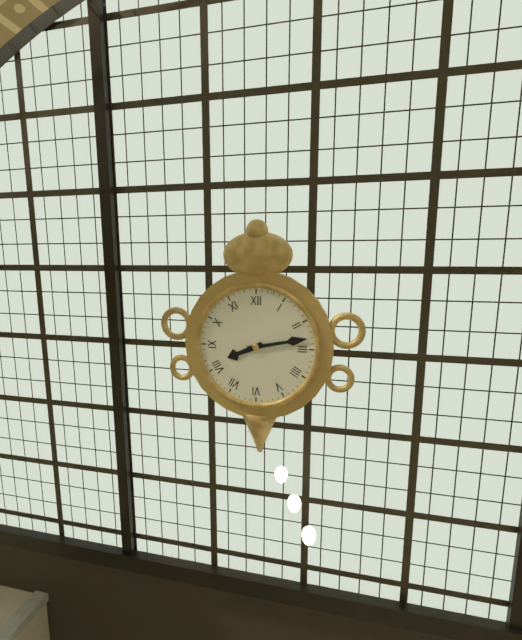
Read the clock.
8:13
